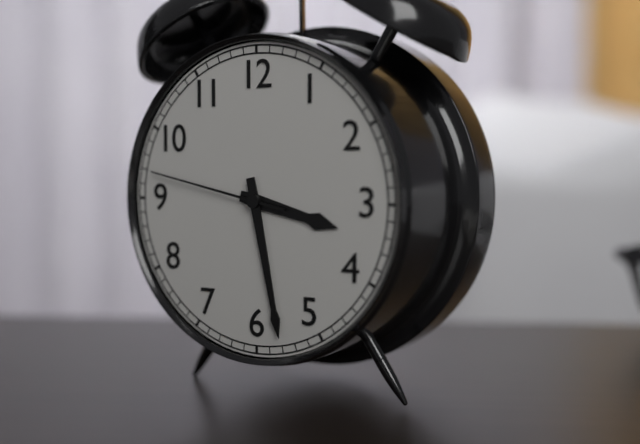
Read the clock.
3:28:47
